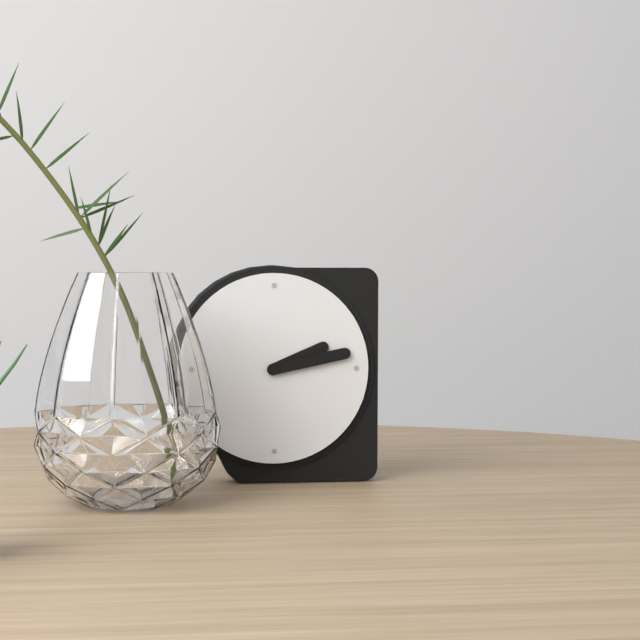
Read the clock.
2:13
